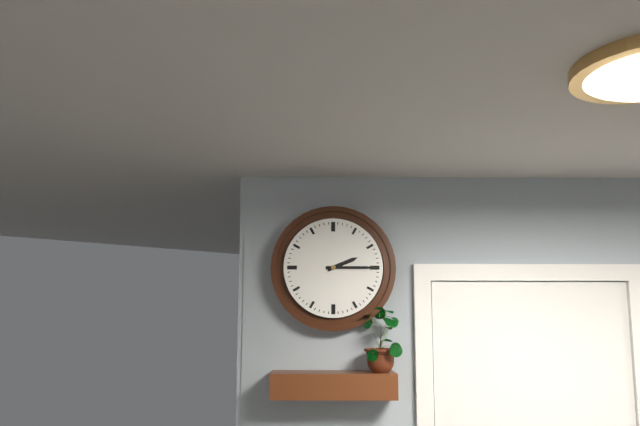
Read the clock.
2:15
